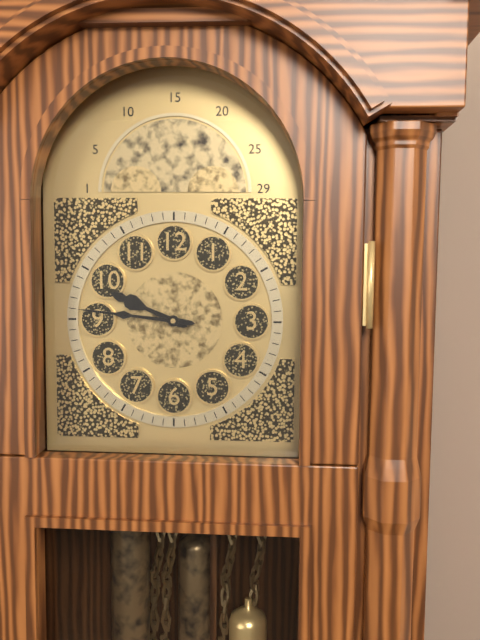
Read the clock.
9:46
